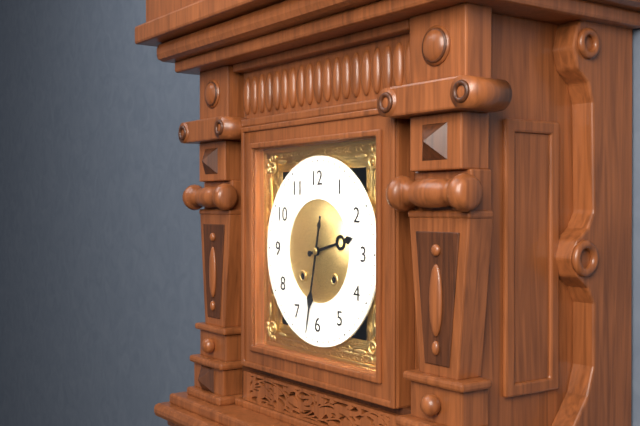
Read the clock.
2:32
